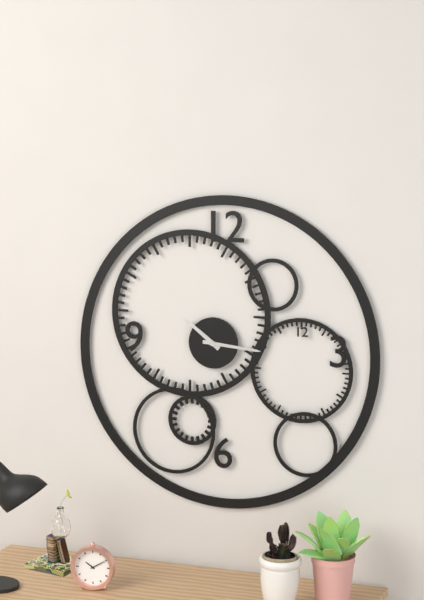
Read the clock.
10:16
